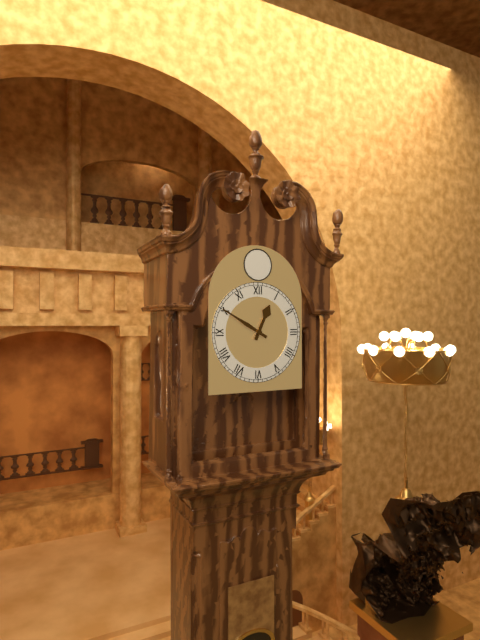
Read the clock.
12:50
